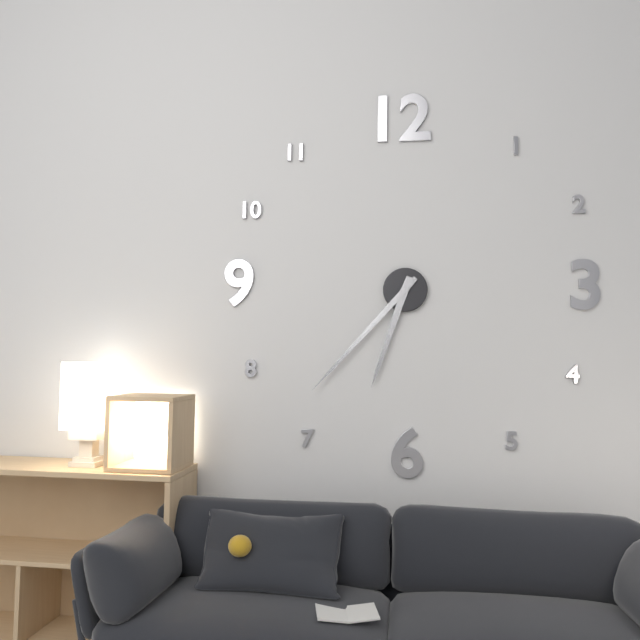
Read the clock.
6:37
